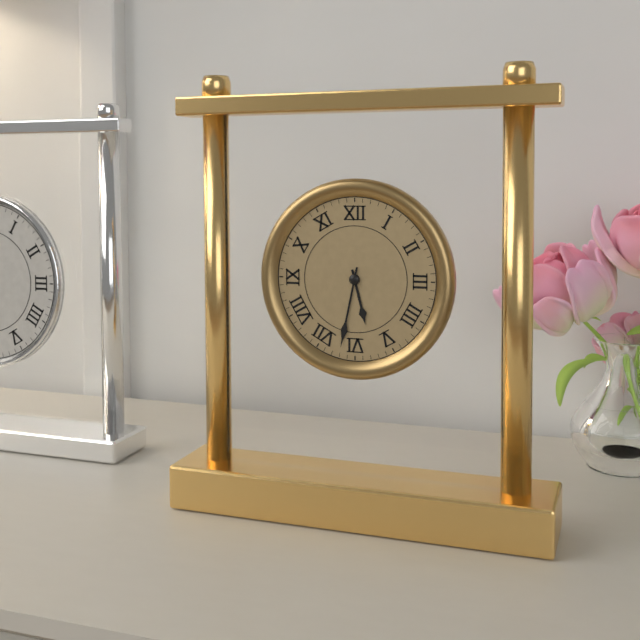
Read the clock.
5:32
